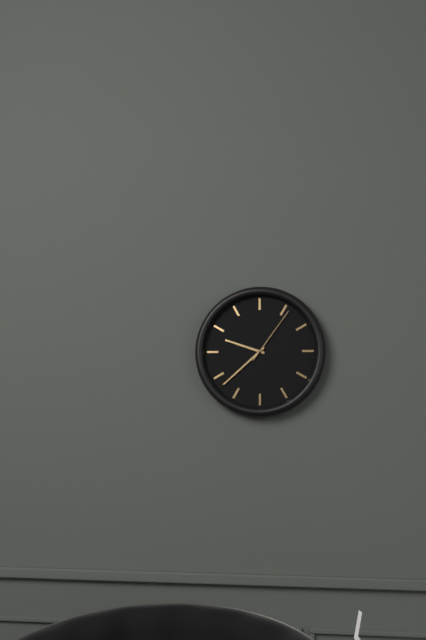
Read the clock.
9:38:06
